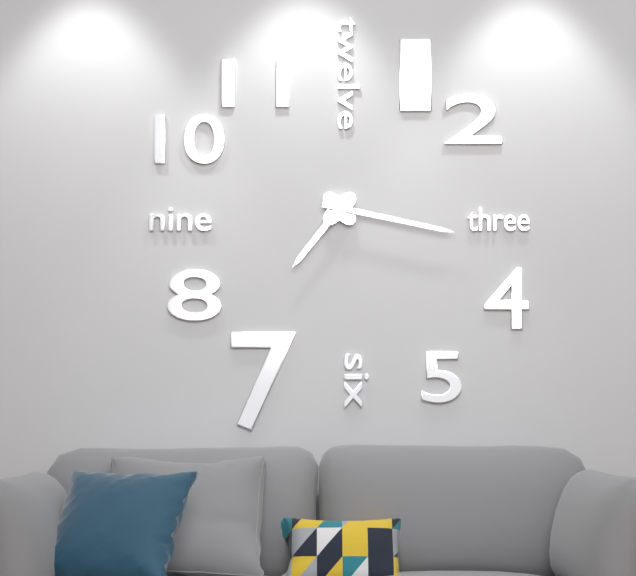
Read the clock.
7:17
